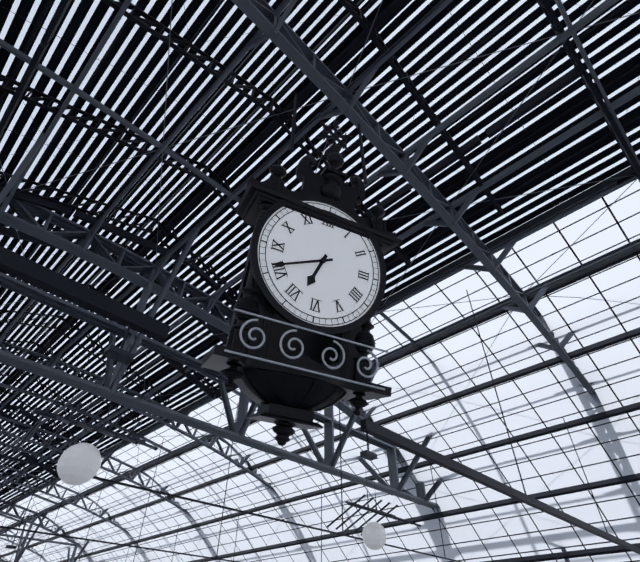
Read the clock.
6:41
